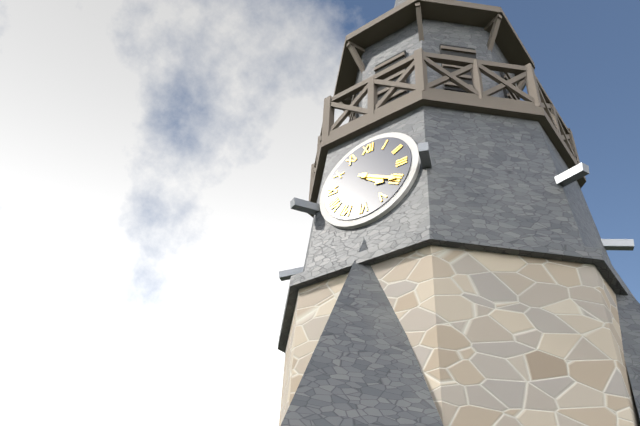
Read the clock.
4:20
